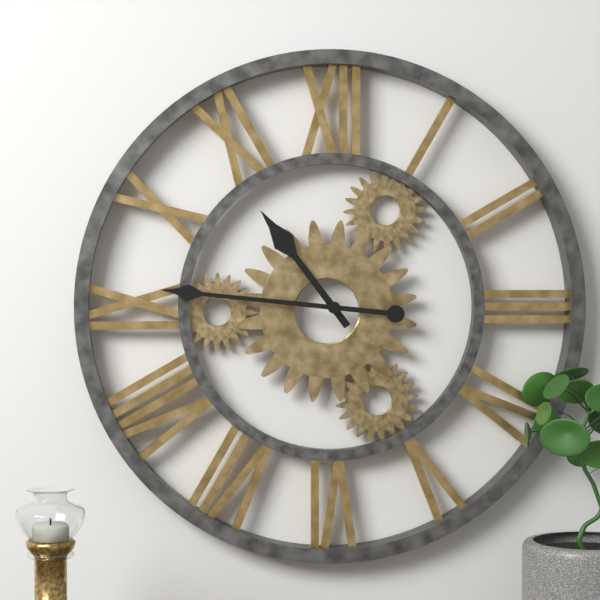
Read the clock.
10:46
